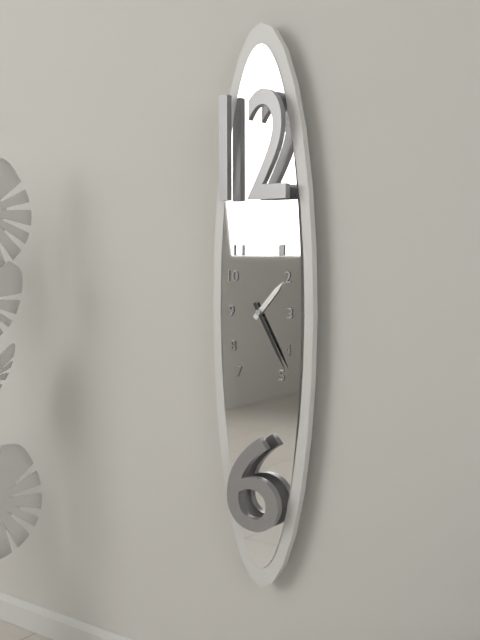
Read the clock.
1:25
